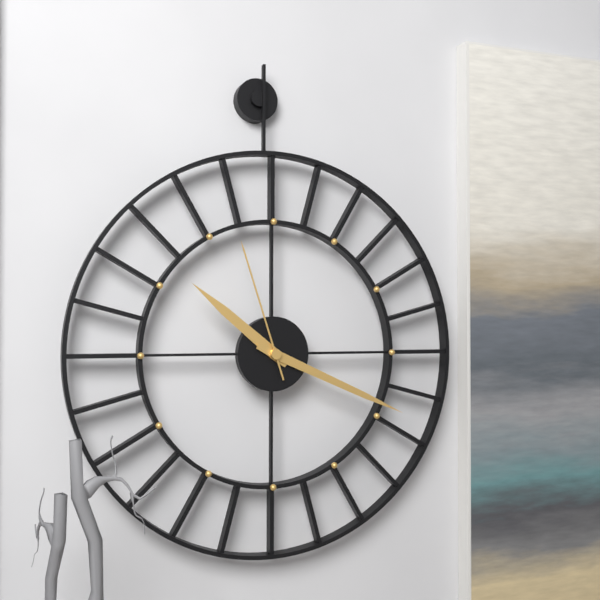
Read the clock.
10:19:57
